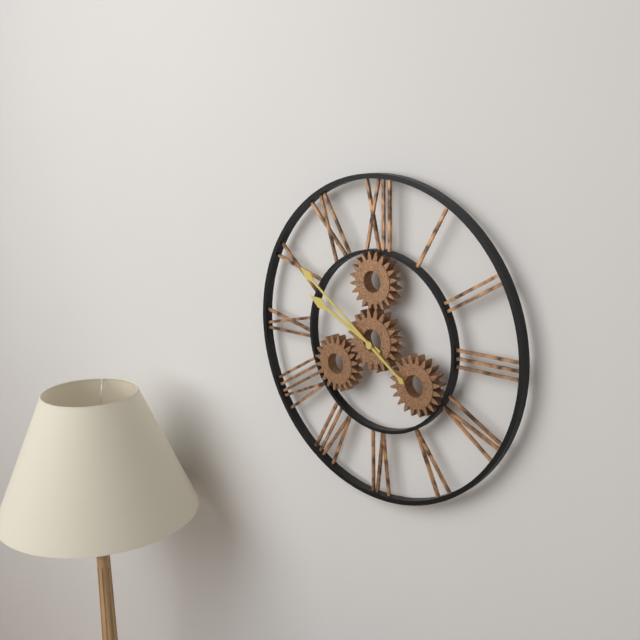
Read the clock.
9:51
